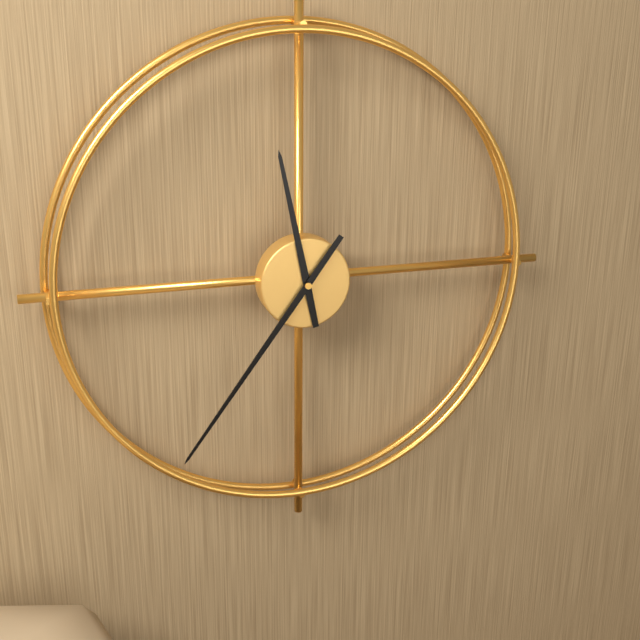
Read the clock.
11:36
